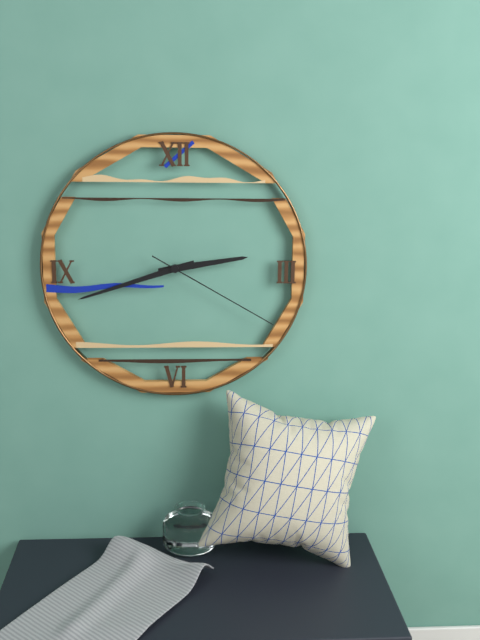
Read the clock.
2:42:20
